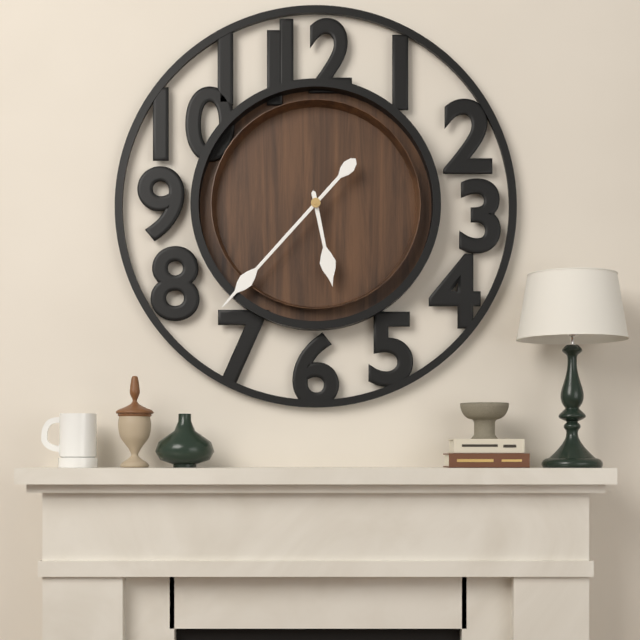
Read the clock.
5:37
